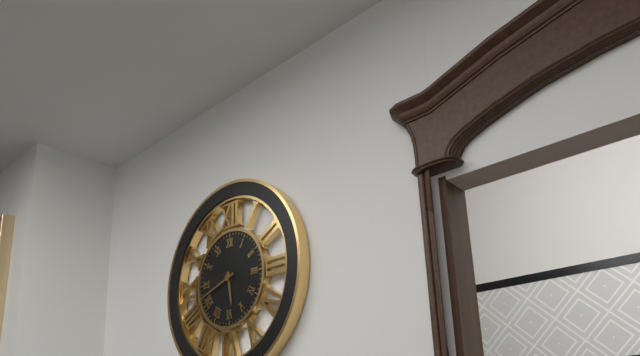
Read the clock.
5:42
